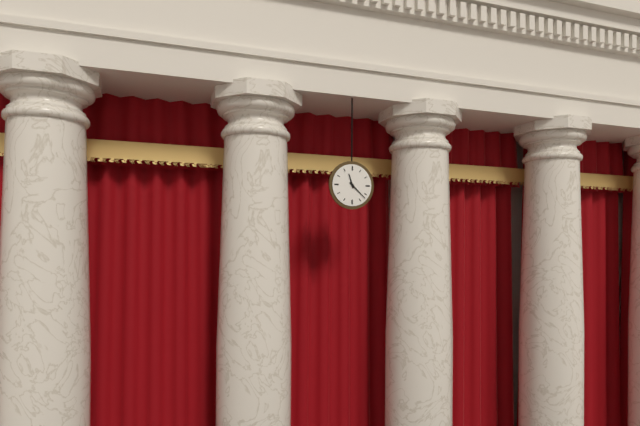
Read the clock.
11:22
